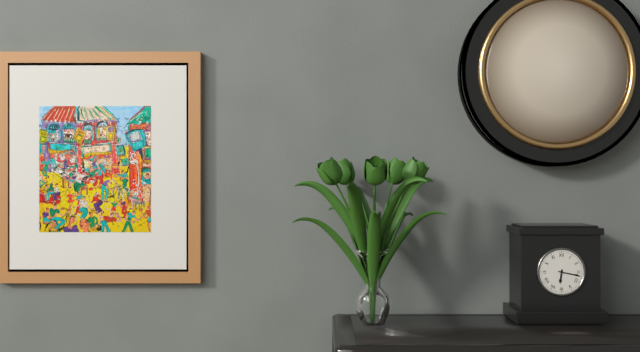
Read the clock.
6:17
